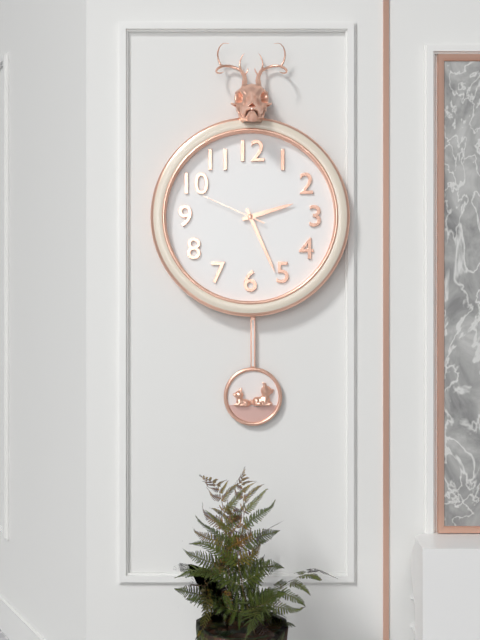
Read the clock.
2:26:49
